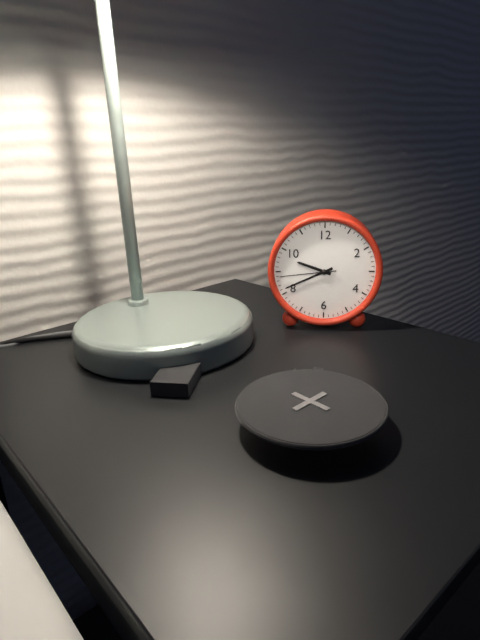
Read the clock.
9:41:44
